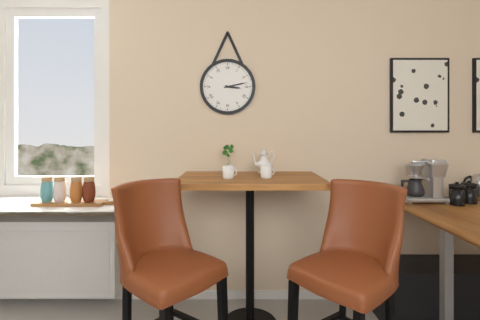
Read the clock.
3:13
